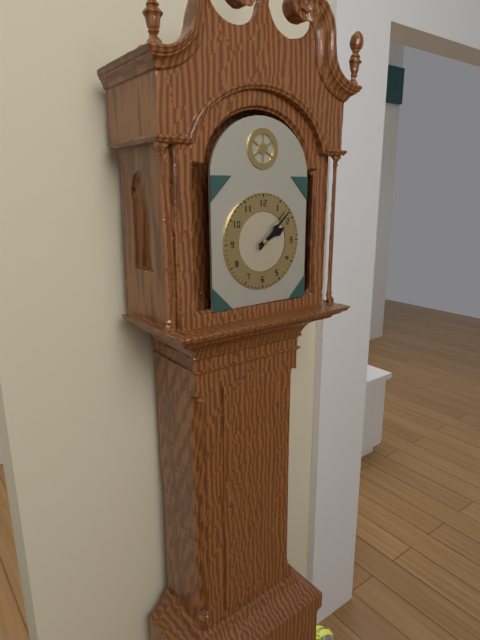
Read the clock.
2:08
